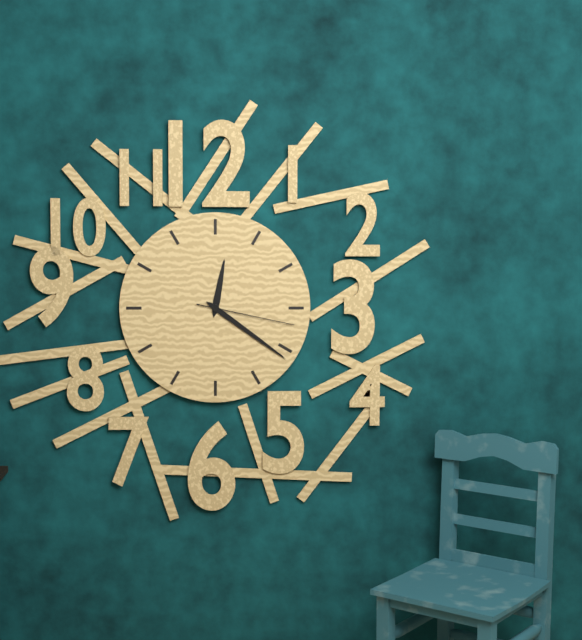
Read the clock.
12:21:17
